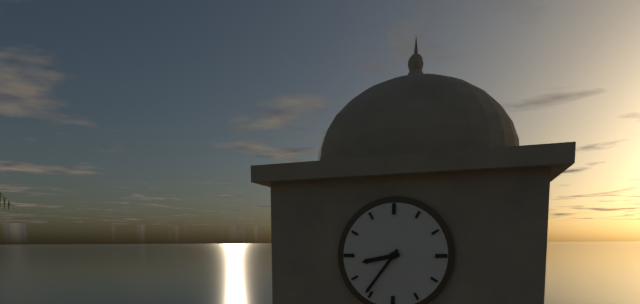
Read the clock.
8:36
